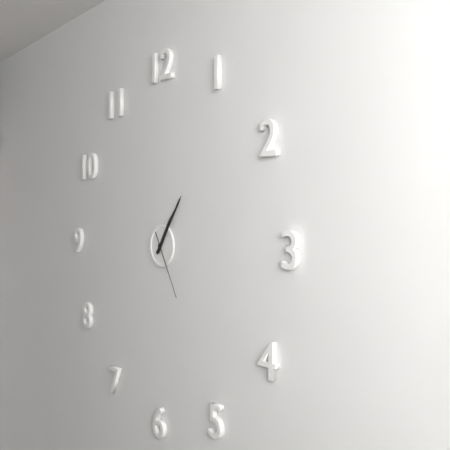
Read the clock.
1:06:25
